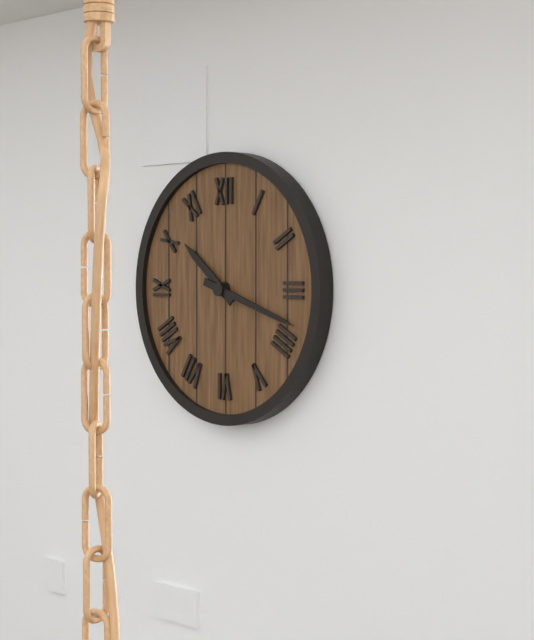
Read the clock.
10:18
